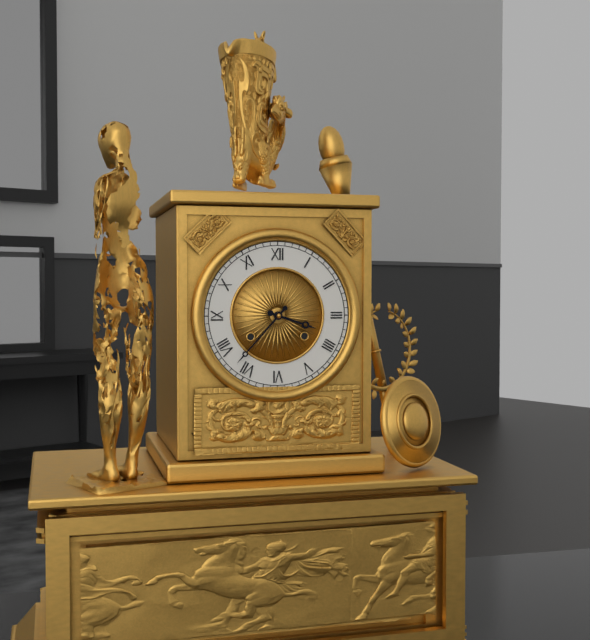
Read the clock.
3:37
